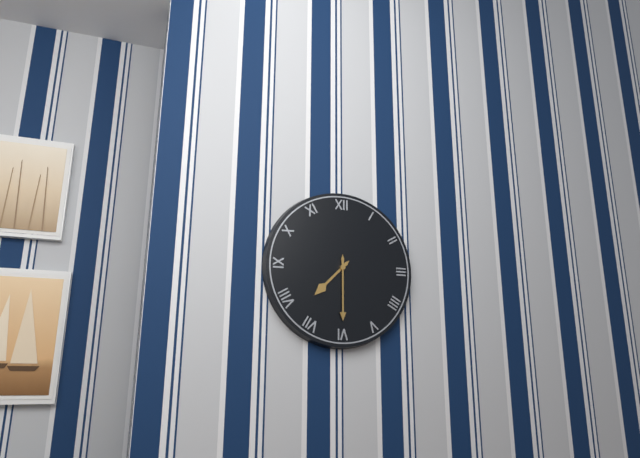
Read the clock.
7:30
